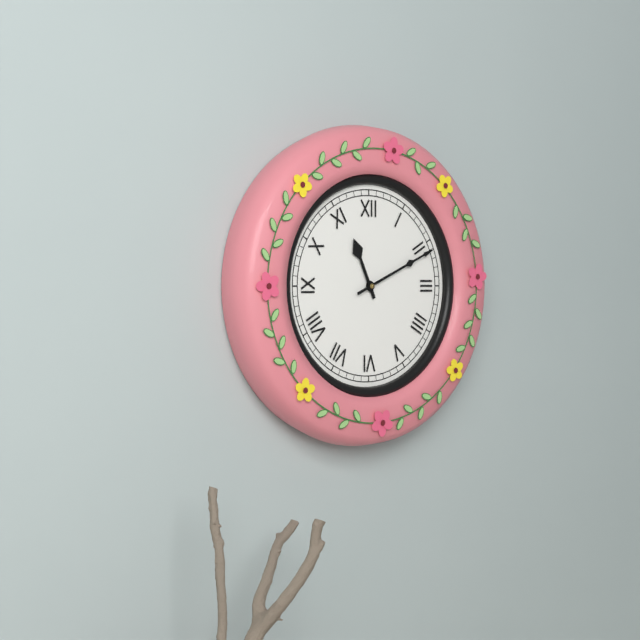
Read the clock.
11:11
